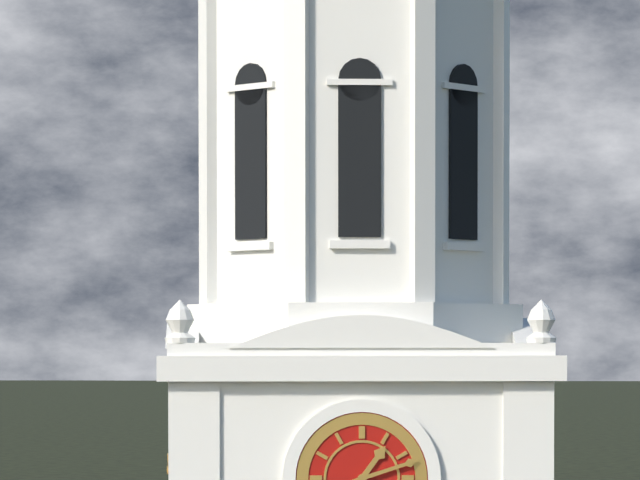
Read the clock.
1:12
